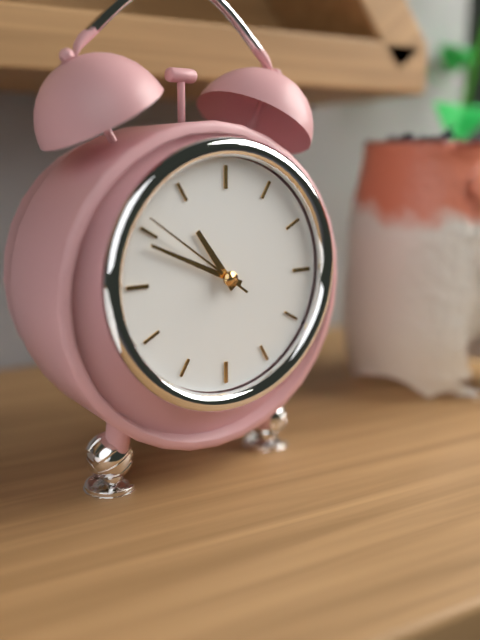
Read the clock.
10:49:51
